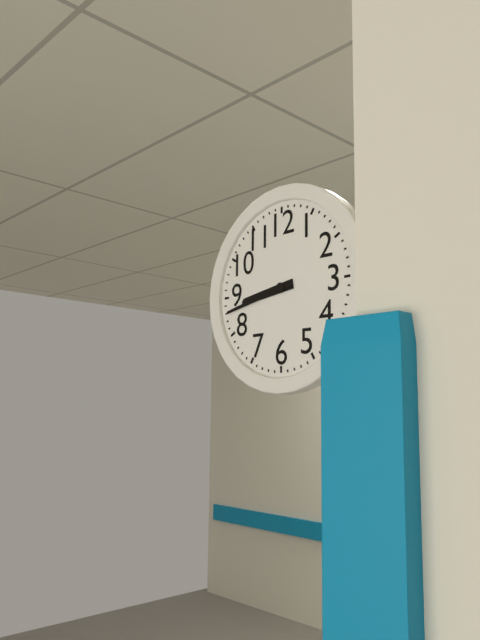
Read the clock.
8:43
